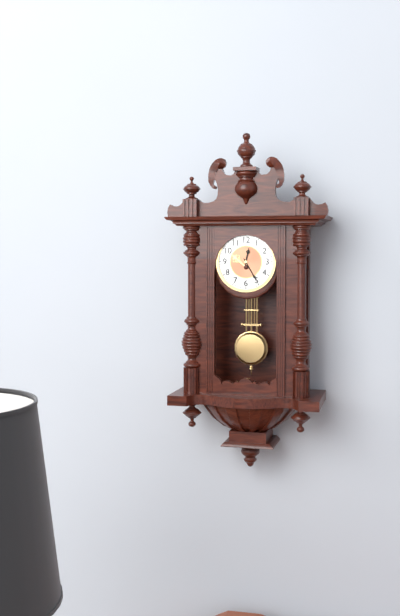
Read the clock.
12:25
